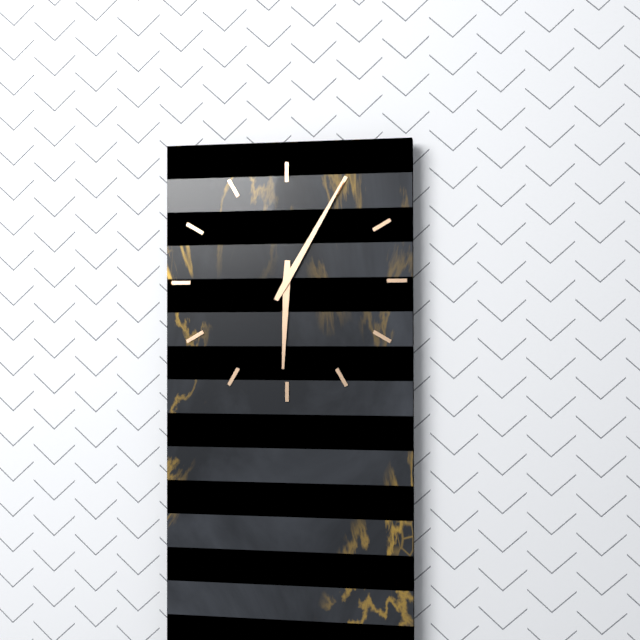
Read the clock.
6:05
